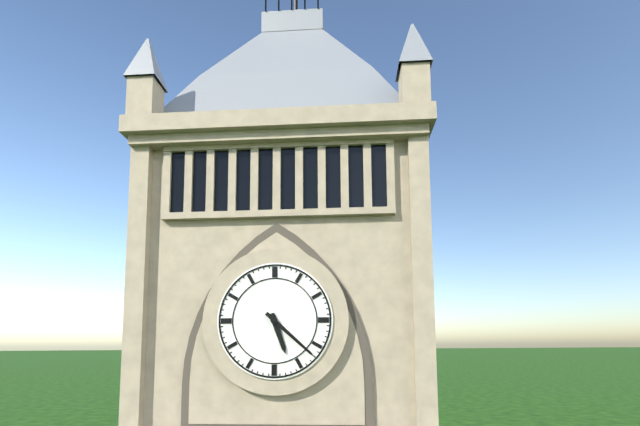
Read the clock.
5:22
